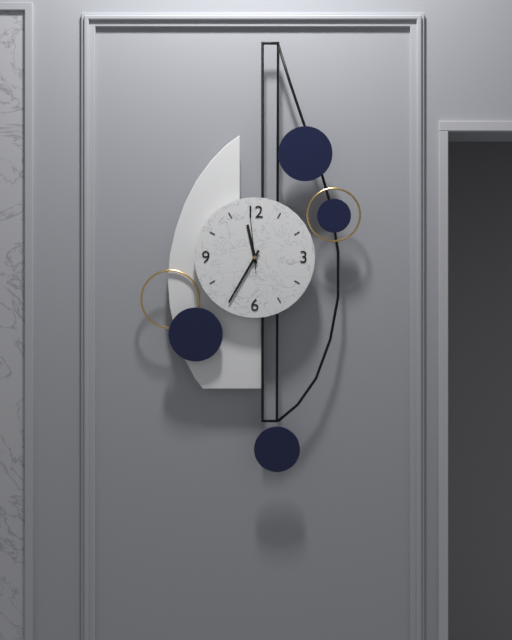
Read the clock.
11:35:59
